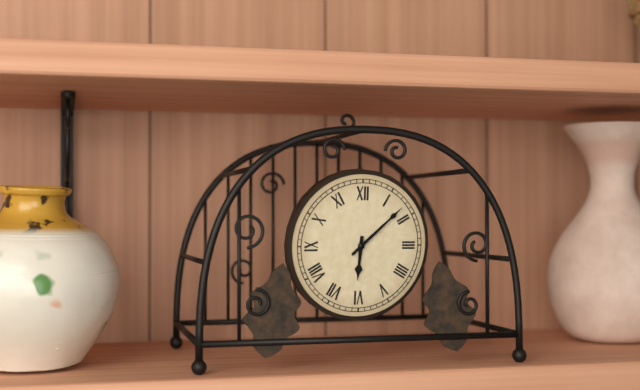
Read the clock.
6:08
